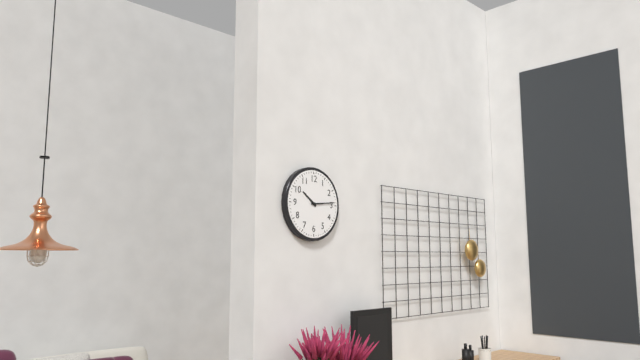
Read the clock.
10:14
